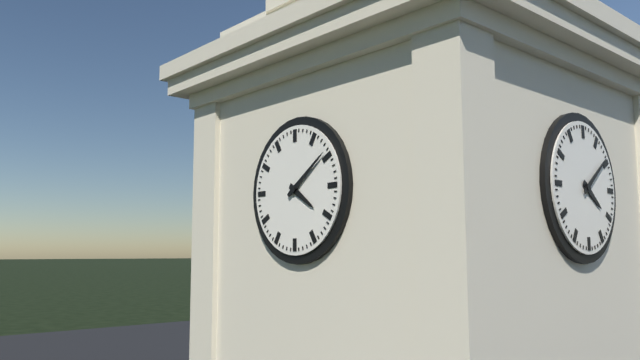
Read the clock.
4:09
